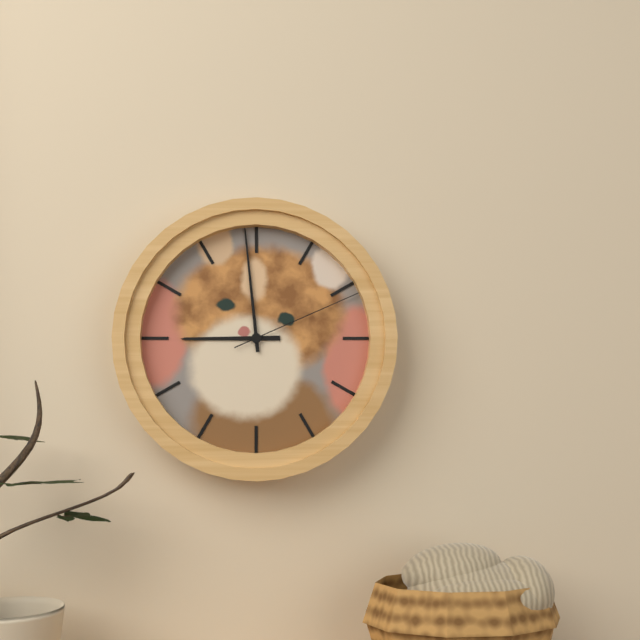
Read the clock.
8:59:11
